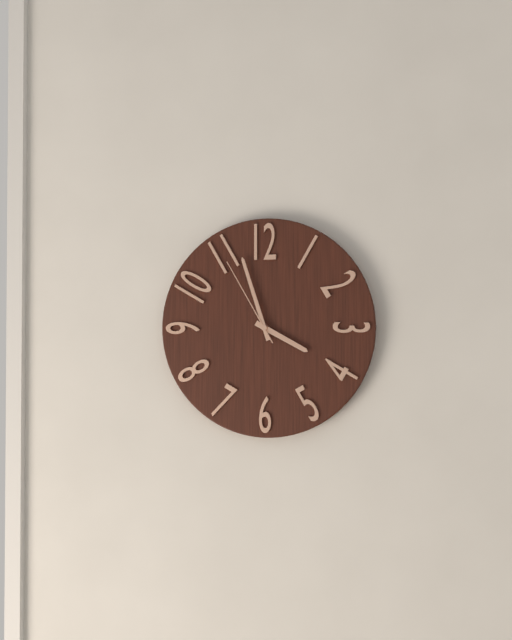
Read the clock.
3:57:55
